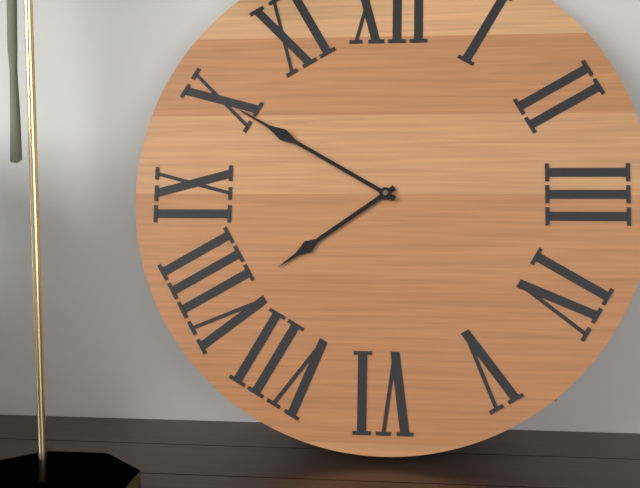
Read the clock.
7:50
